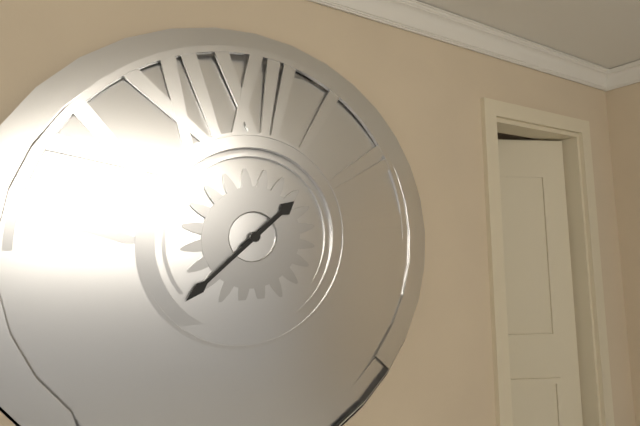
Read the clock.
1:38
